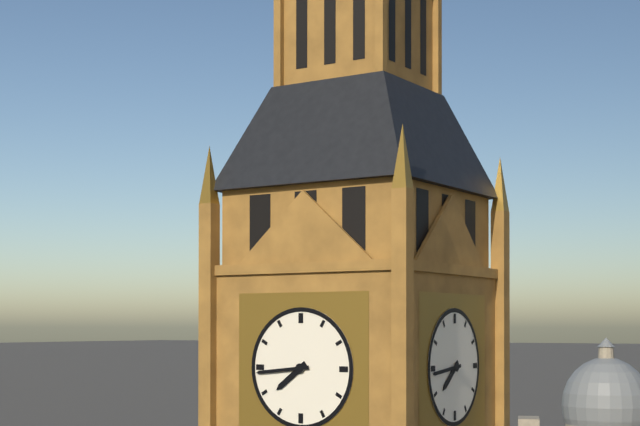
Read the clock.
7:44
